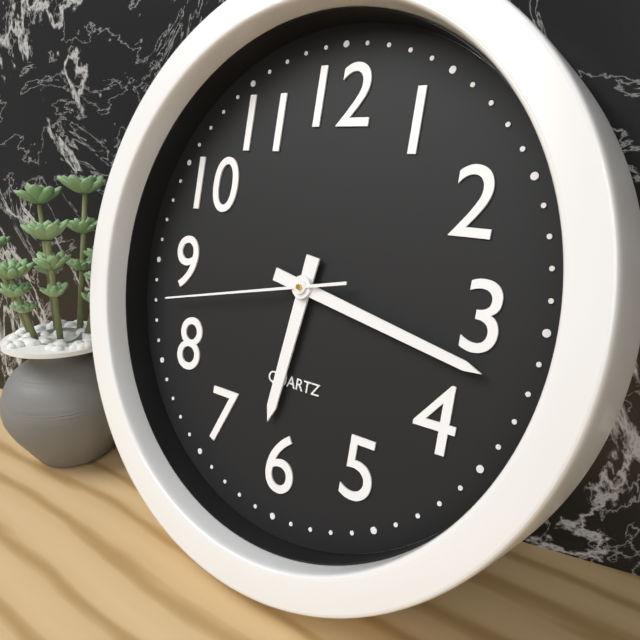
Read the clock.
6:17:43
